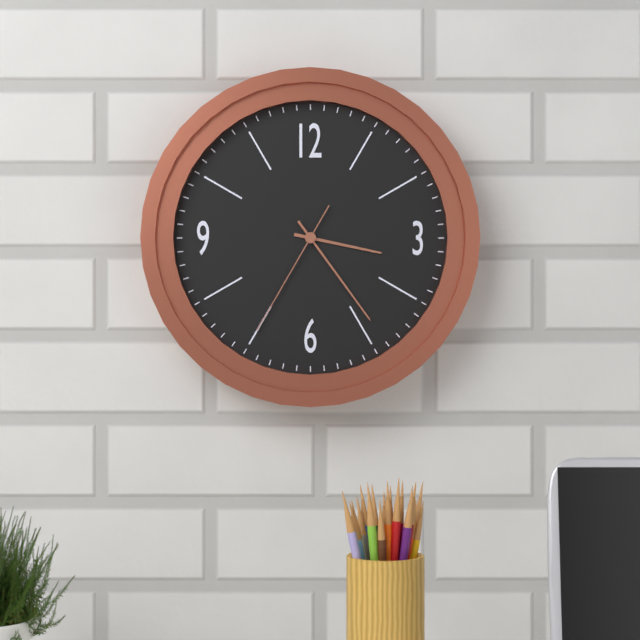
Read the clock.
3:24:35
